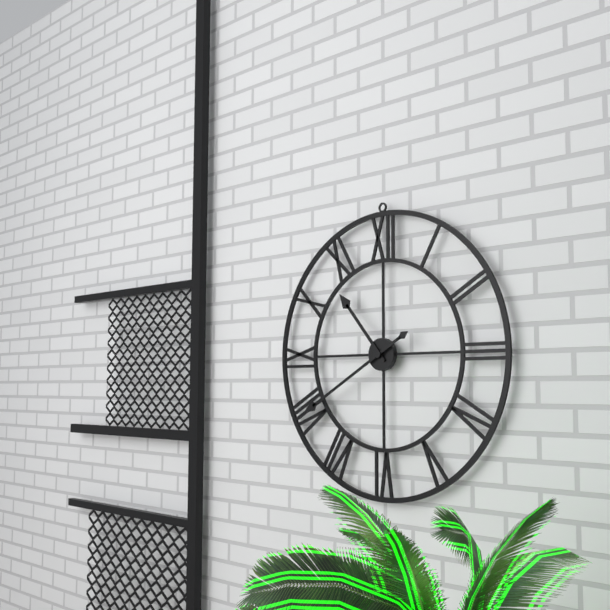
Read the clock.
10:40
